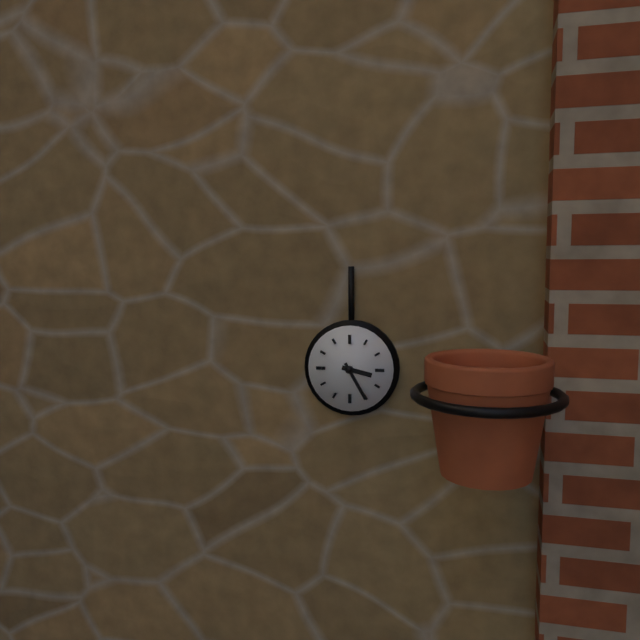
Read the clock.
3:25
